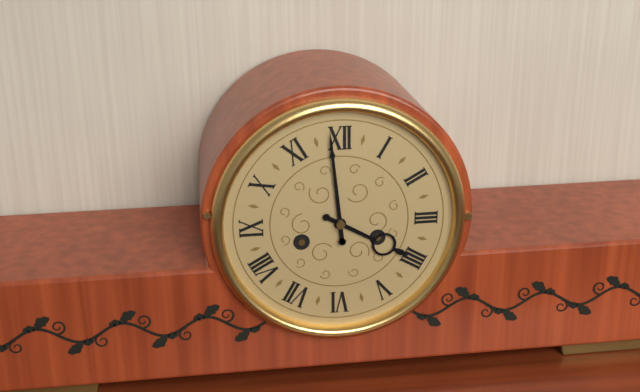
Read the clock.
3:59
